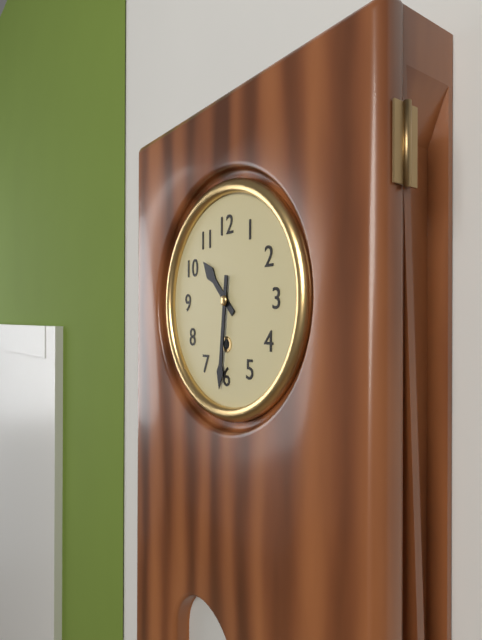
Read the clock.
10:31
